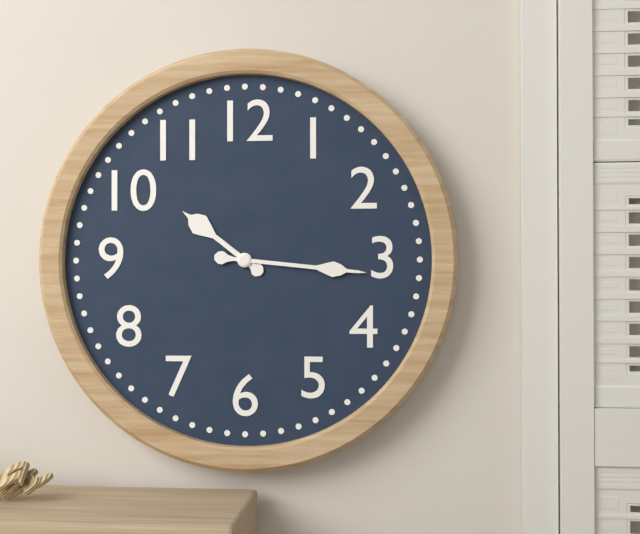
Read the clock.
10:16
